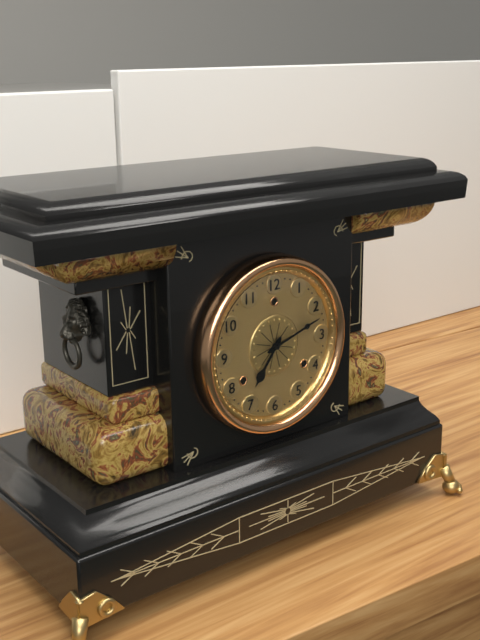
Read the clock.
7:12
